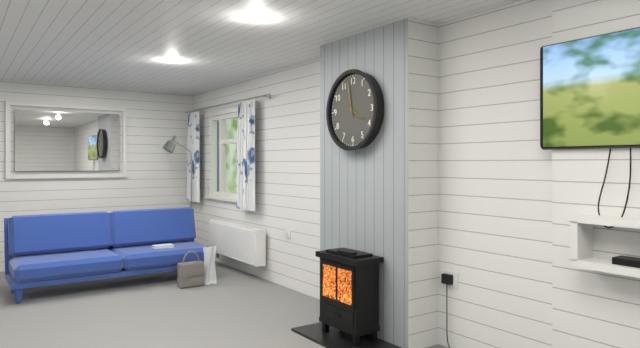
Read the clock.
3:58
